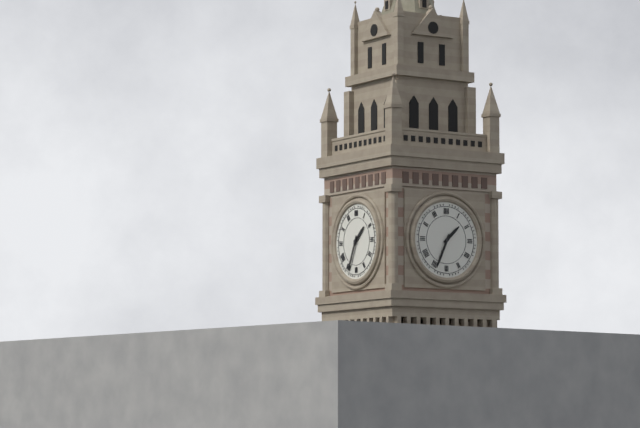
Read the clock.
1:34
